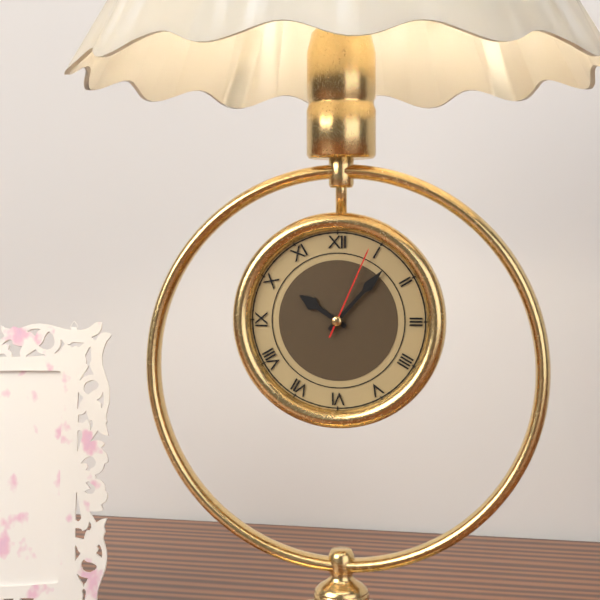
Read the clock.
10:07:04
